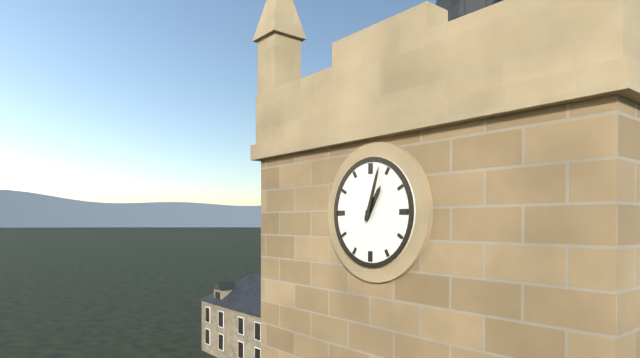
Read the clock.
1:03
